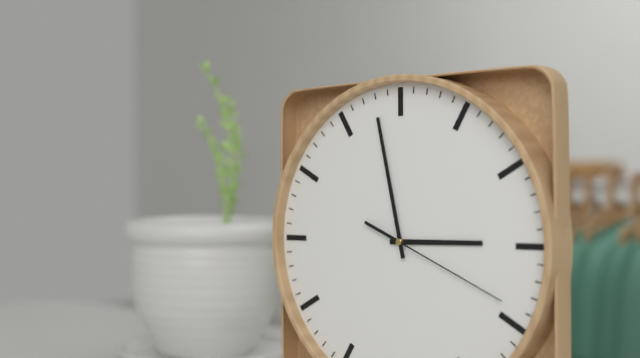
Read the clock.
2:58:19
